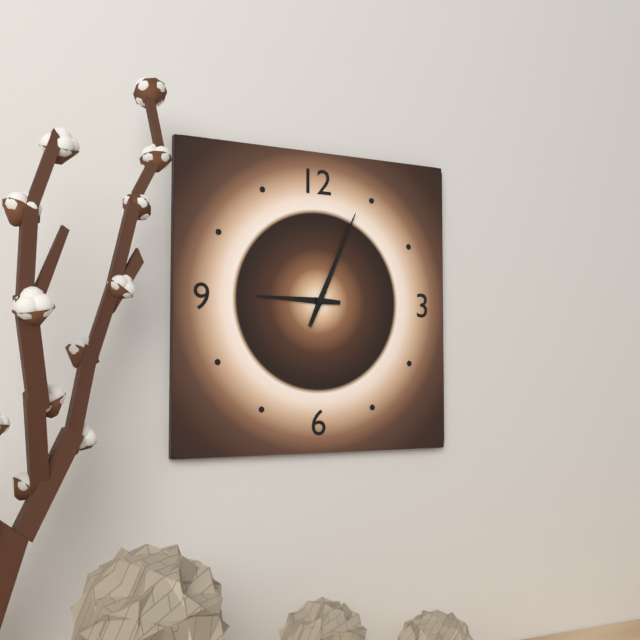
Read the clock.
9:04
